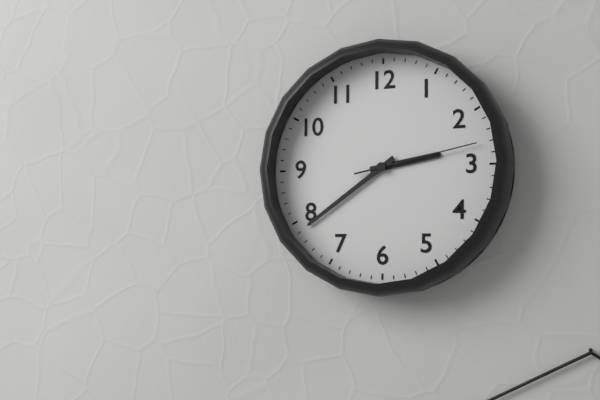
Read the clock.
2:39:13
